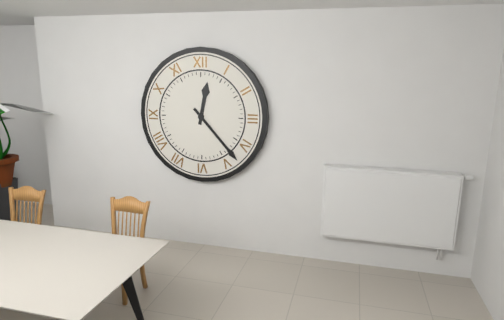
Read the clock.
12:23
